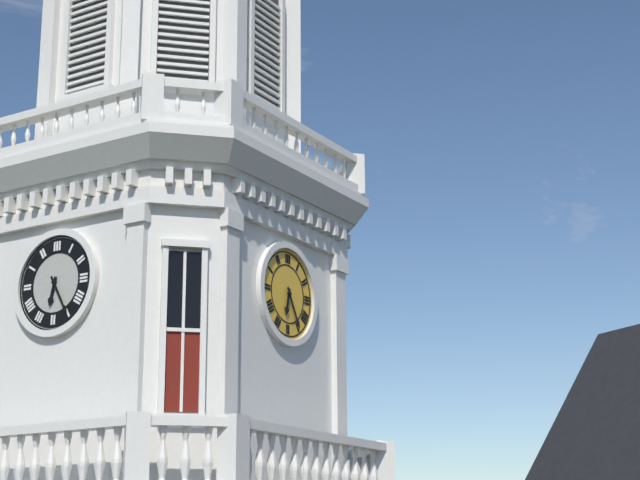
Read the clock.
6:25
